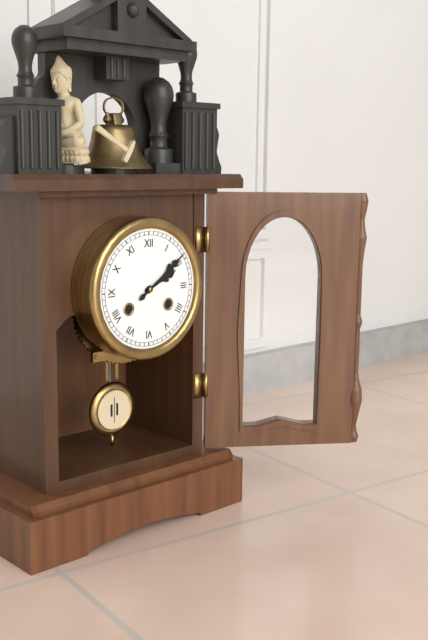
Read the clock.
2:09
